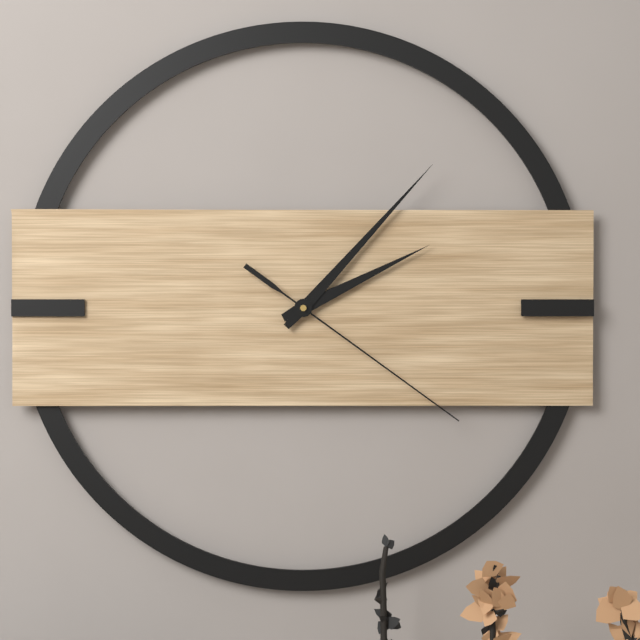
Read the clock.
2:07:21
